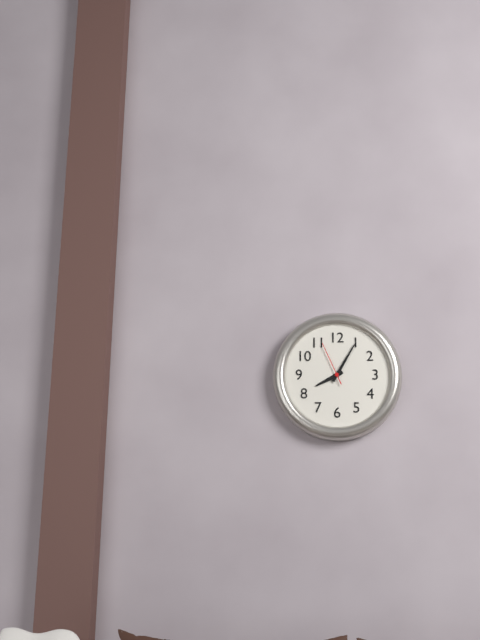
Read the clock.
8:05
